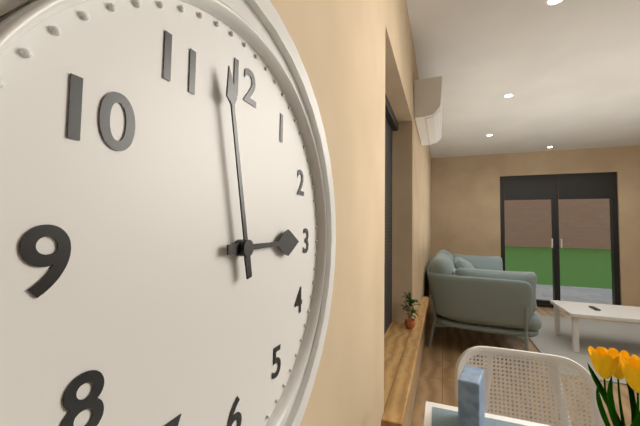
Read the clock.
2:58
